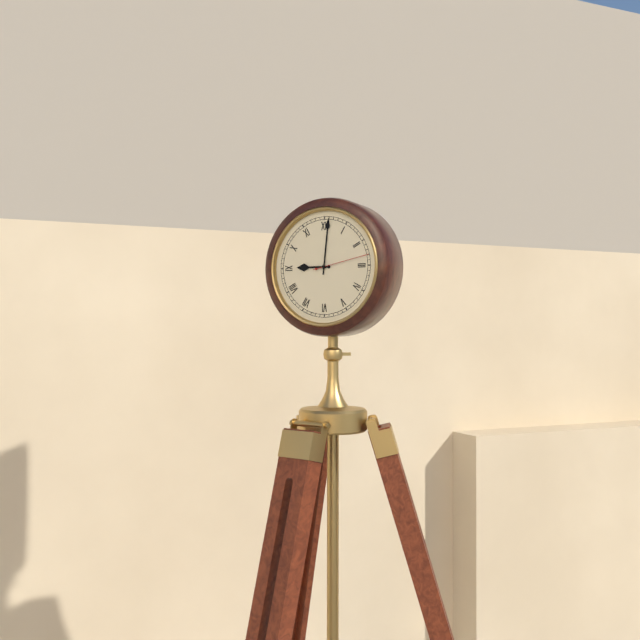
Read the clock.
9:01
